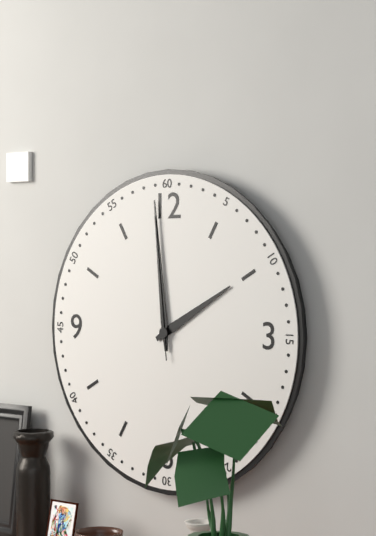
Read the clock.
1:59:59
